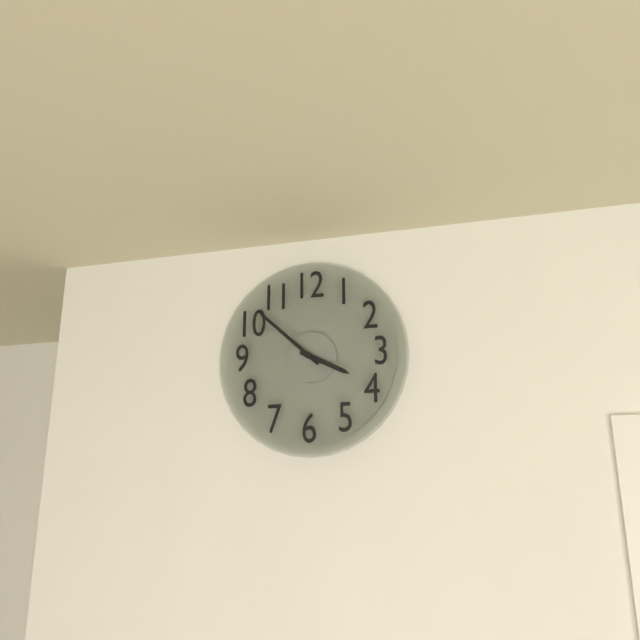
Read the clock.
3:52
